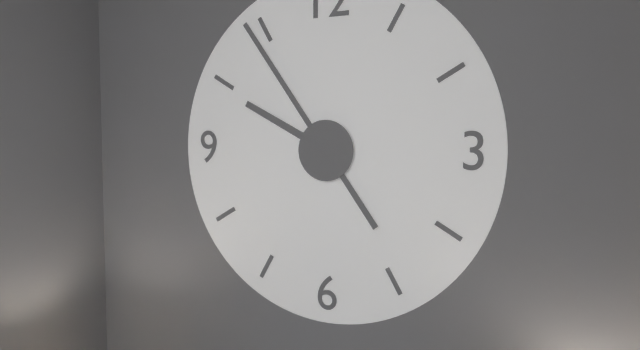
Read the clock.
9:54
